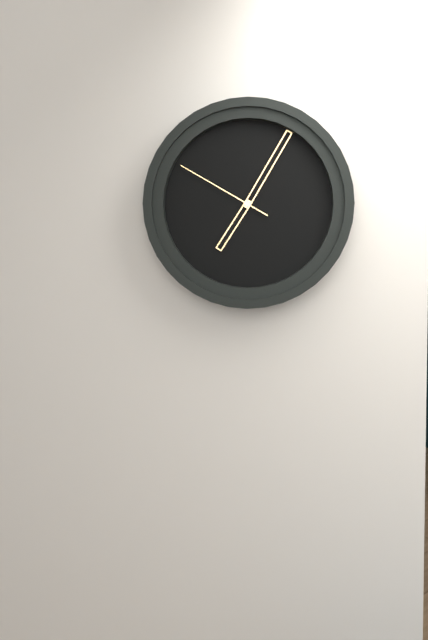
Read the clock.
7:05:50
